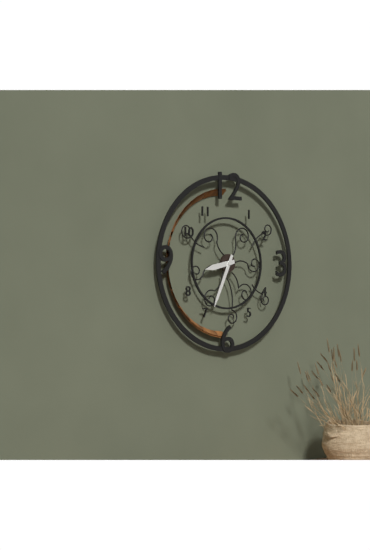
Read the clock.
8:34
